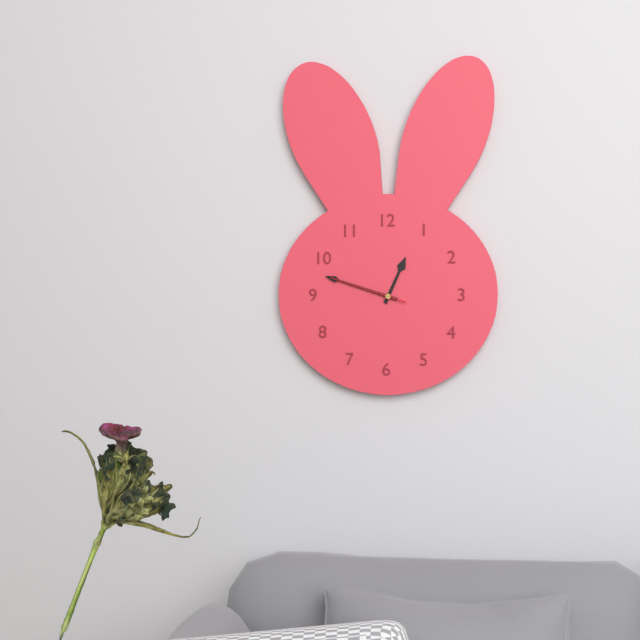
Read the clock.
12:48:48
